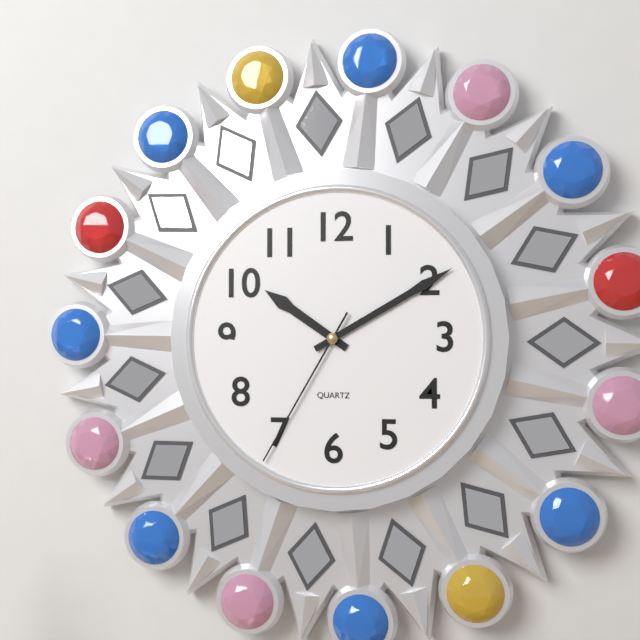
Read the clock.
10:10:35
